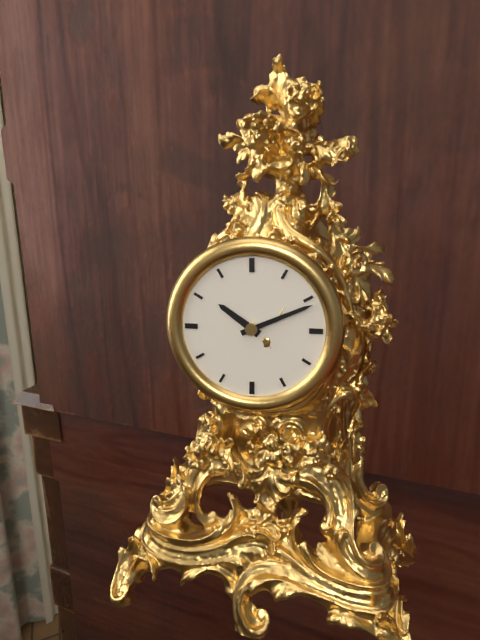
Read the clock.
10:11
